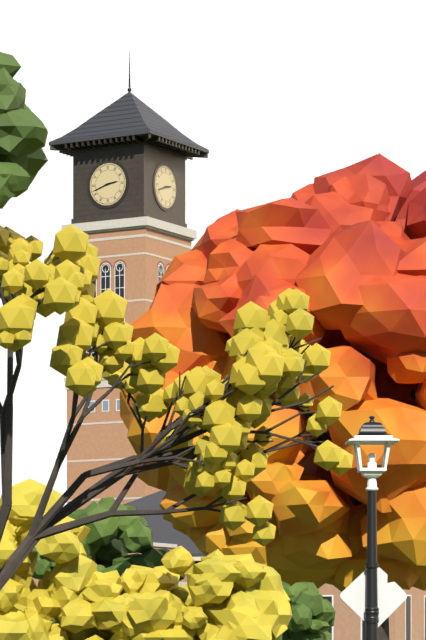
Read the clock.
2:42
